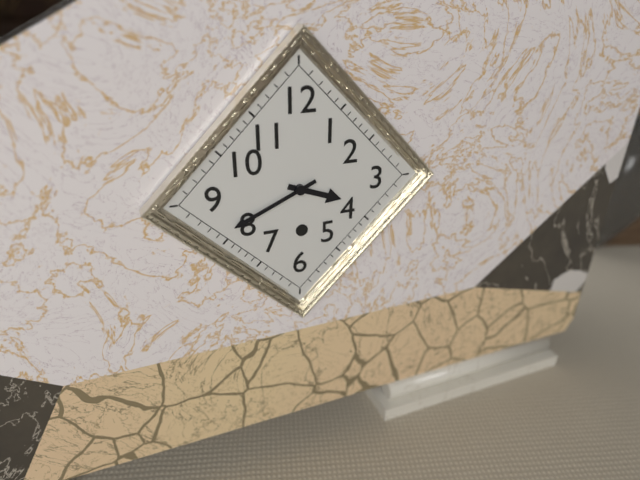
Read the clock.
3:41
